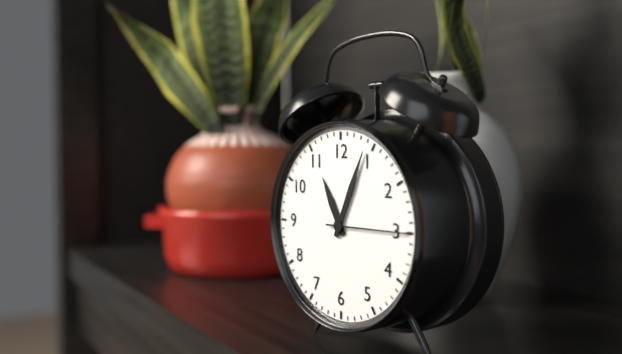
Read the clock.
11:04:15
